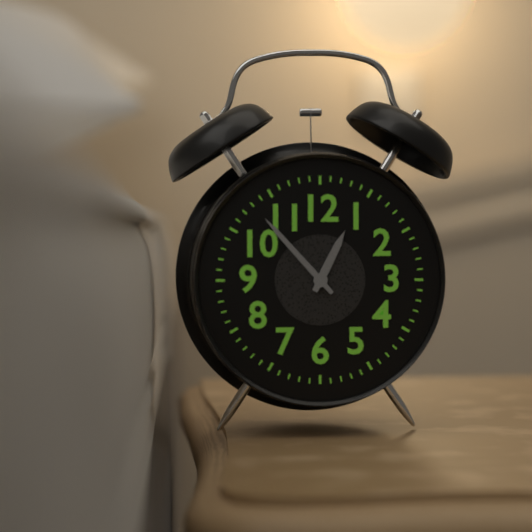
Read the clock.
12:53
